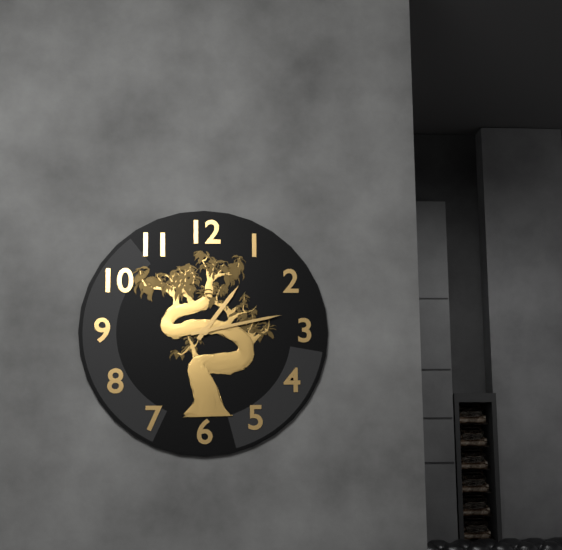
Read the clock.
1:13
